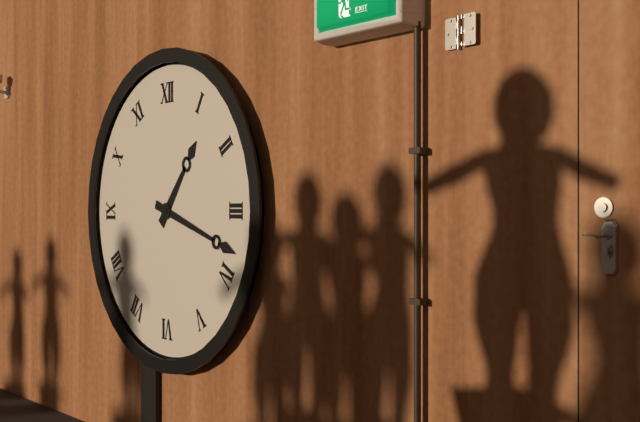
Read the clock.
1:18
